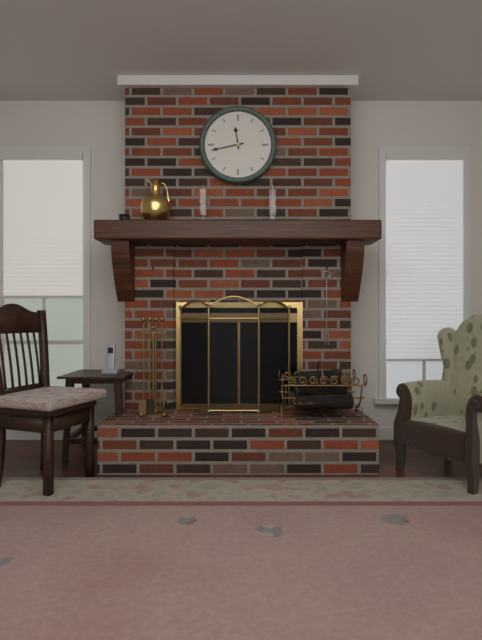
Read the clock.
11:43
